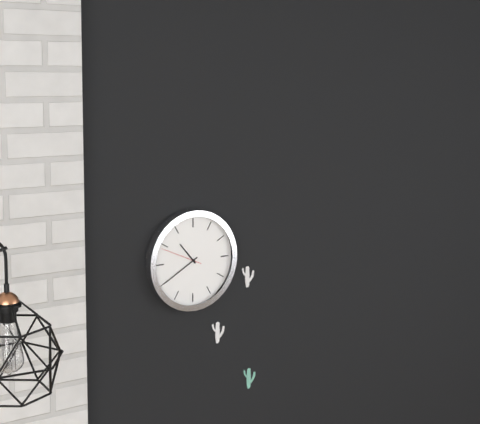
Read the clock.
10:40
